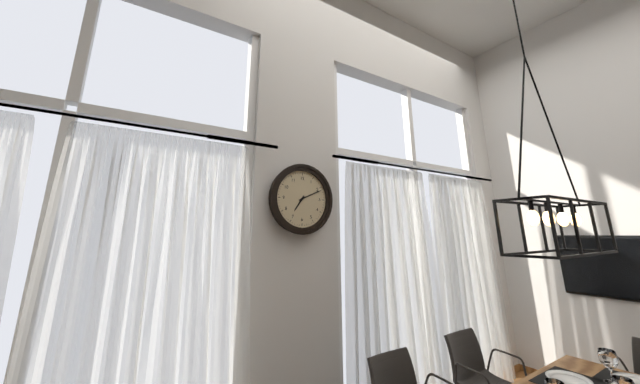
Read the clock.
7:11
